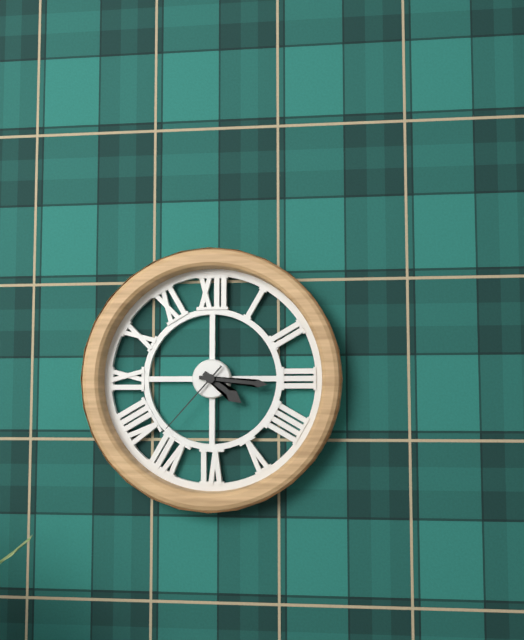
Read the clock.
4:16:37
